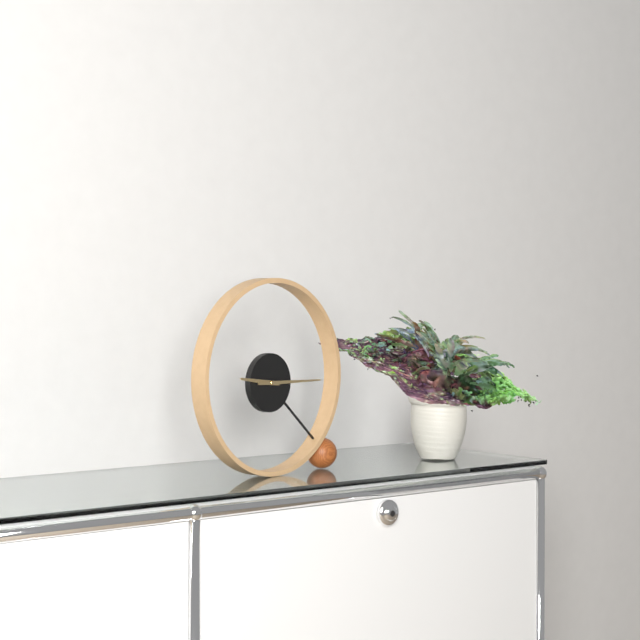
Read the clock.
9:15
